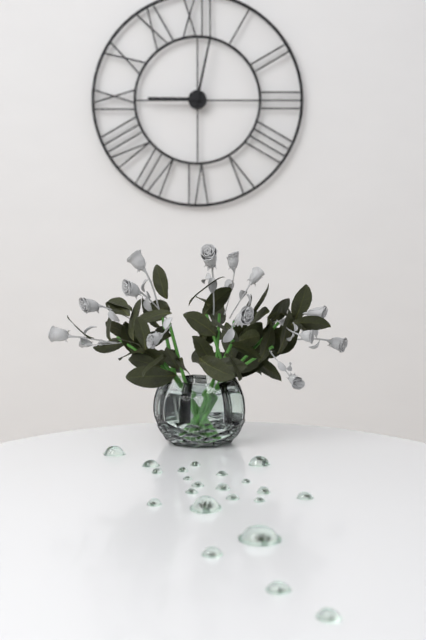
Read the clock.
9:02
